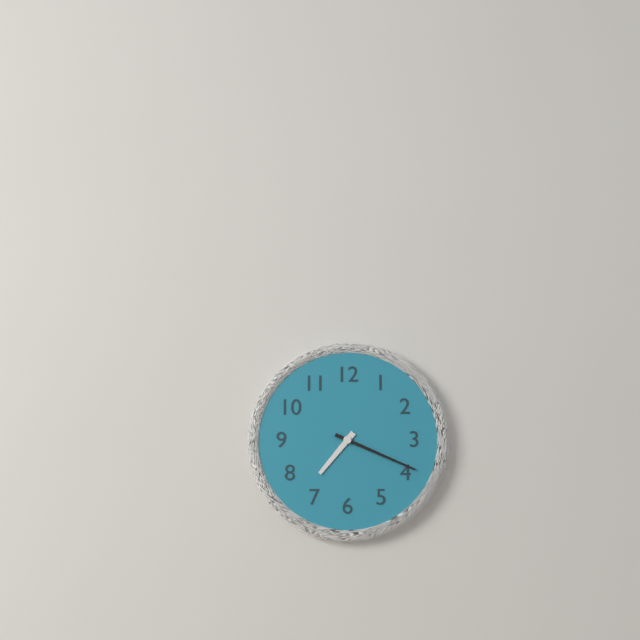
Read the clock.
7:19
